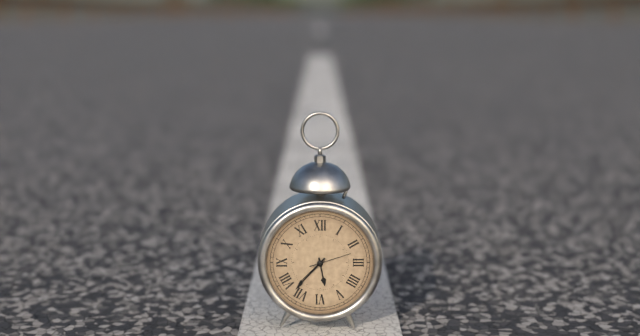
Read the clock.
5:37
